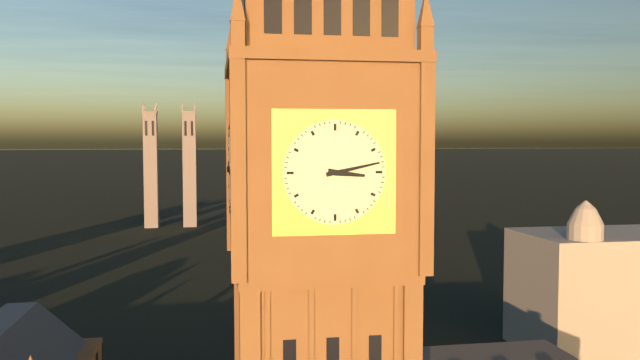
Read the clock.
3:13
